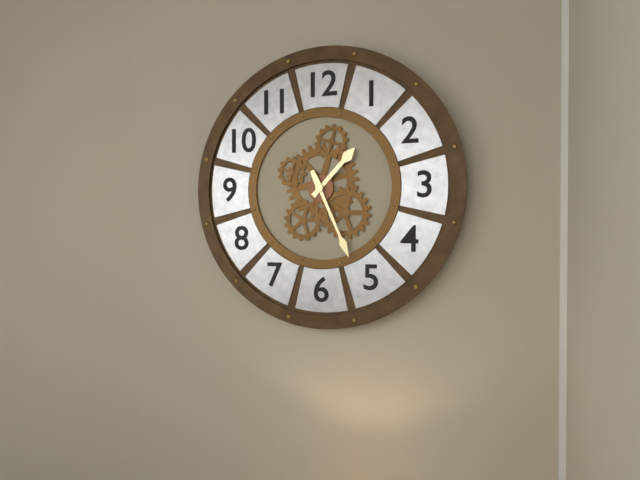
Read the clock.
1:26
